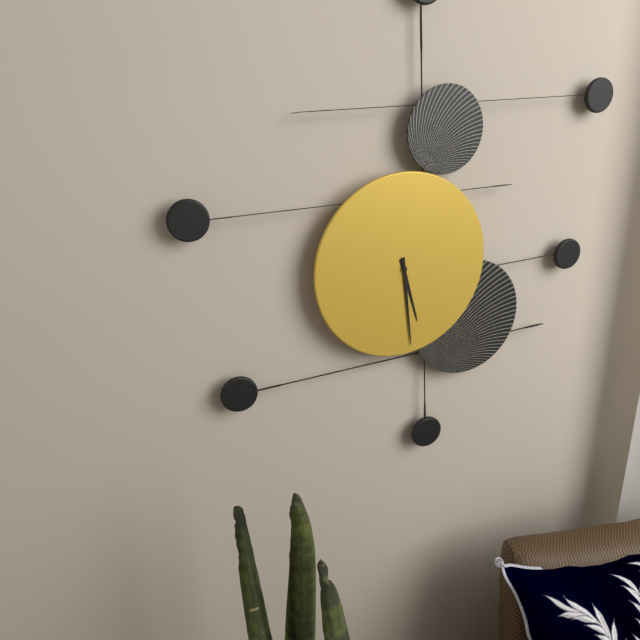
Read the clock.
5:29
